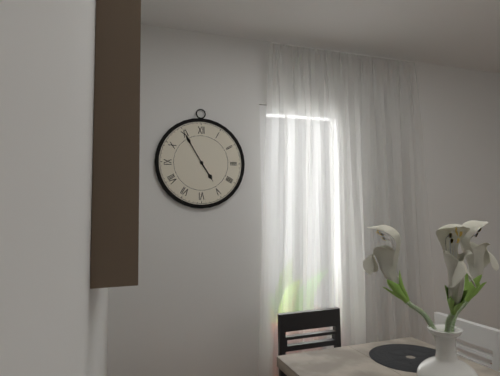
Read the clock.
4:55
